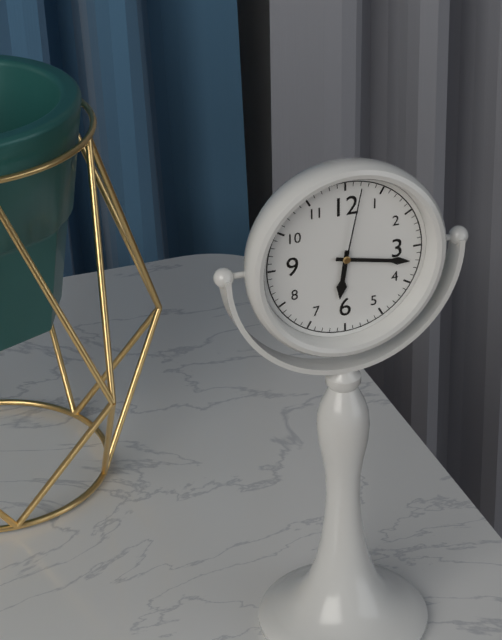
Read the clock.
6:17:02
